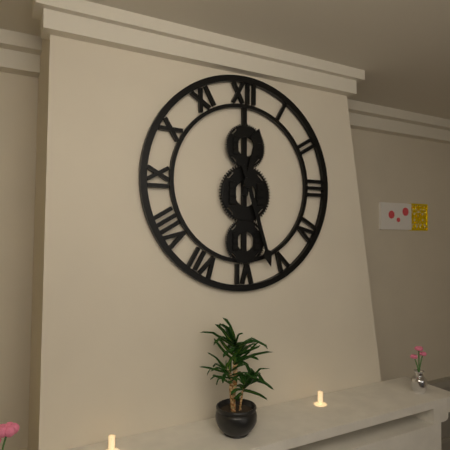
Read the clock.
12:27
